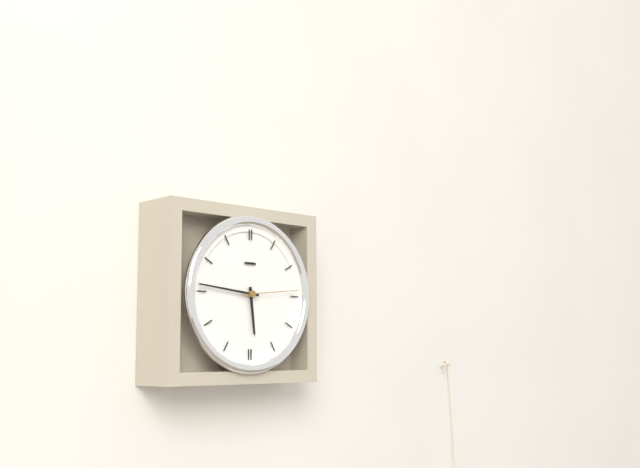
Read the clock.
5:46:14
